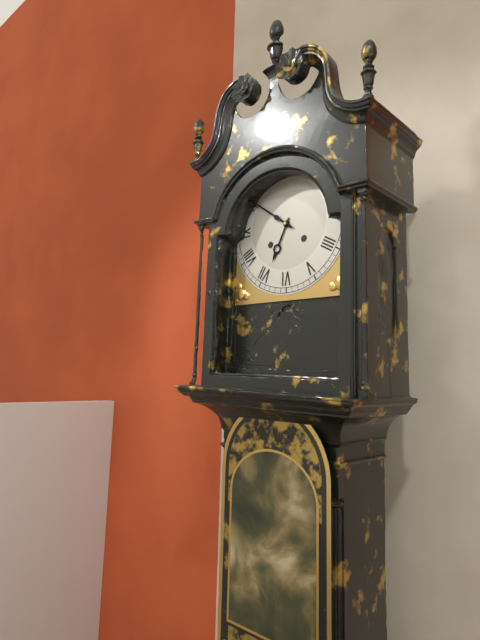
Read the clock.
6:51
